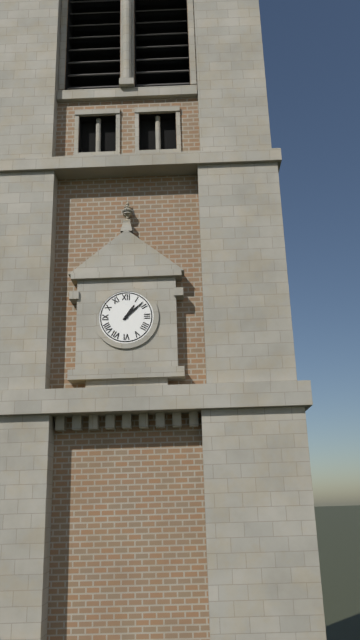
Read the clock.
1:08
